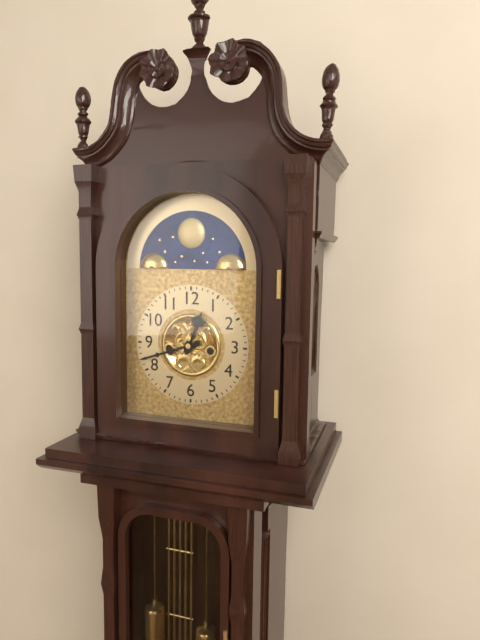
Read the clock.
12:42
